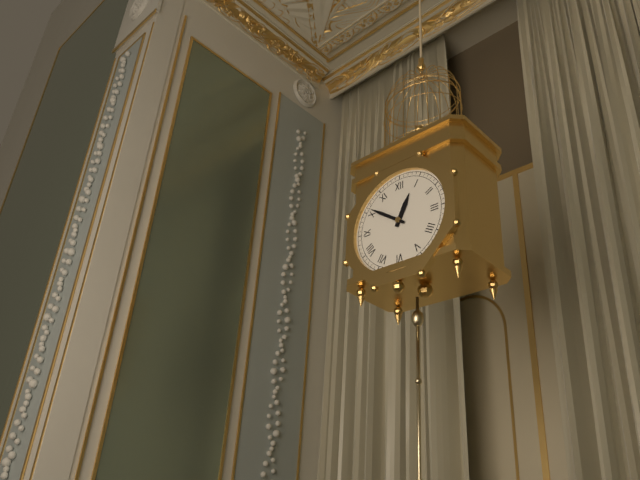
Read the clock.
12:51
